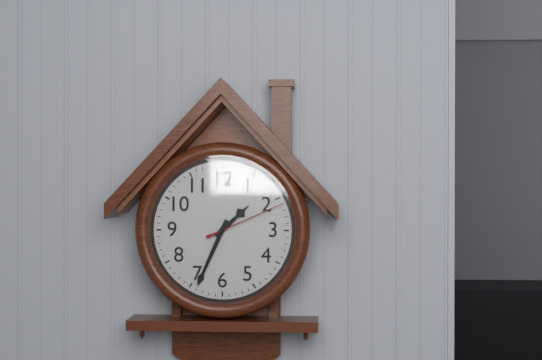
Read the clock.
1:34:11
